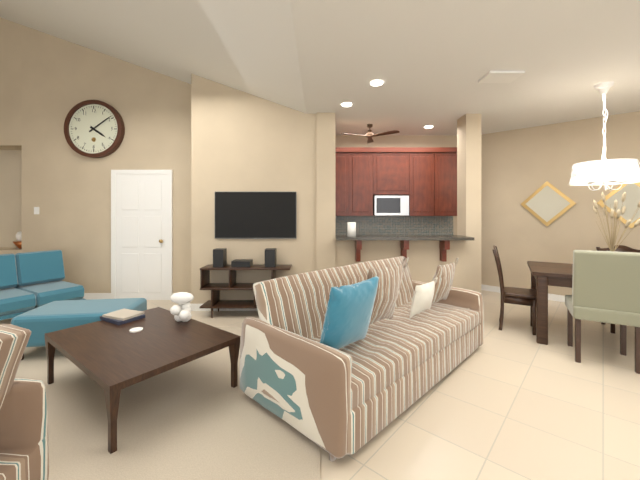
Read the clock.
4:09
